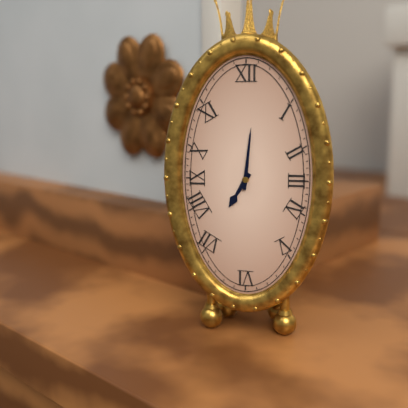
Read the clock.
7:01
